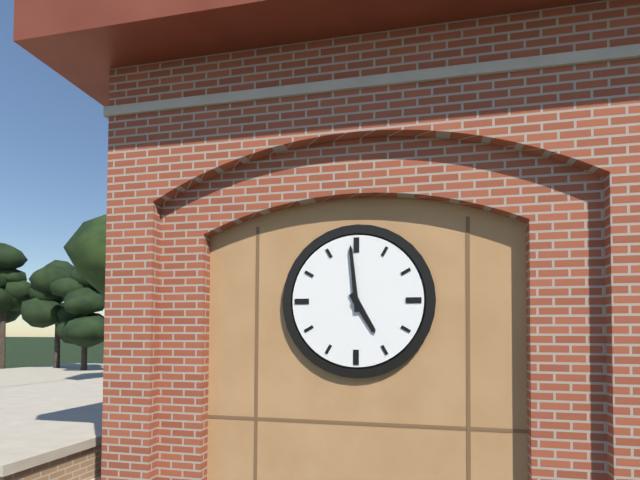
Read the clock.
4:59
